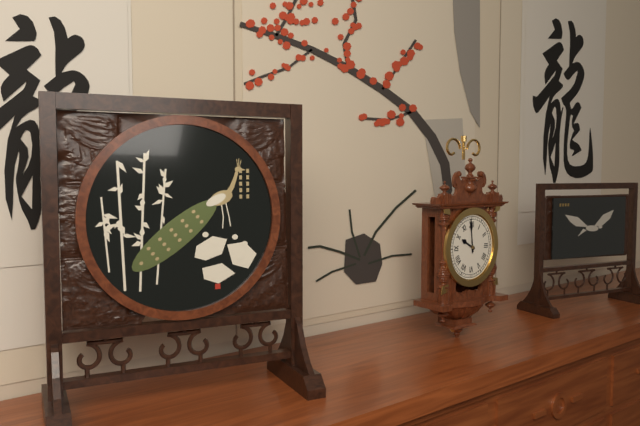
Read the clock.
9:59
